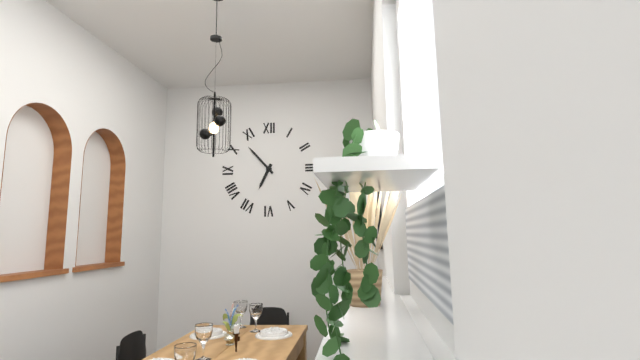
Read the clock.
6:53
